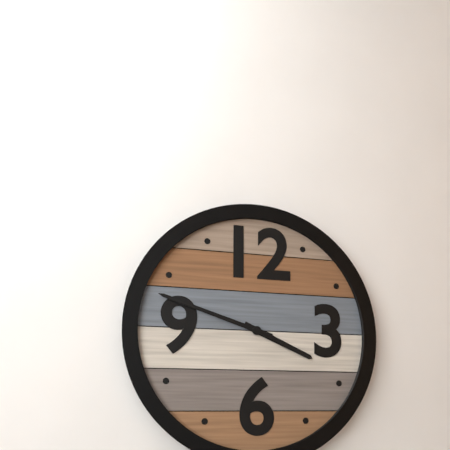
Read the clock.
3:48
